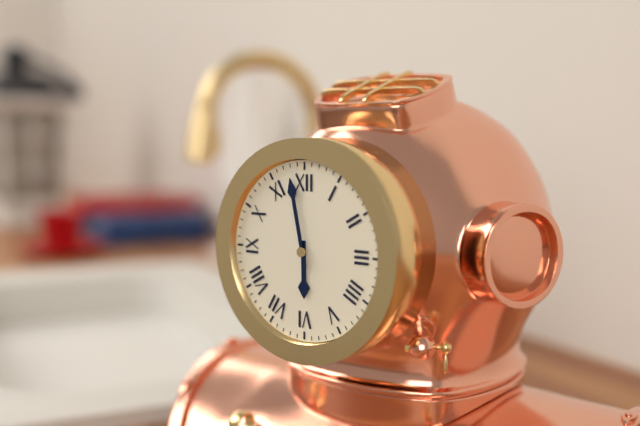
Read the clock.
5:58
